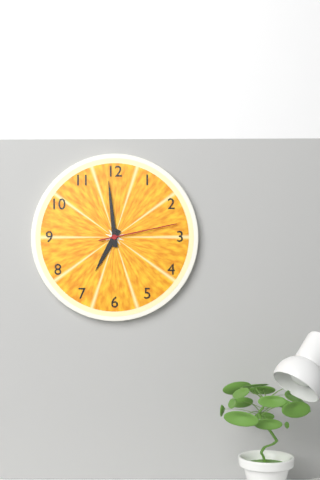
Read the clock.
6:59:13
